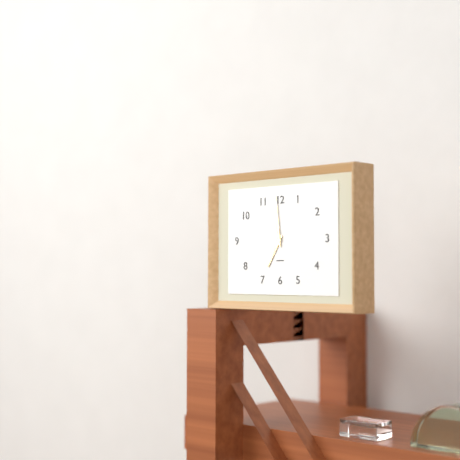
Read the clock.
6:59
